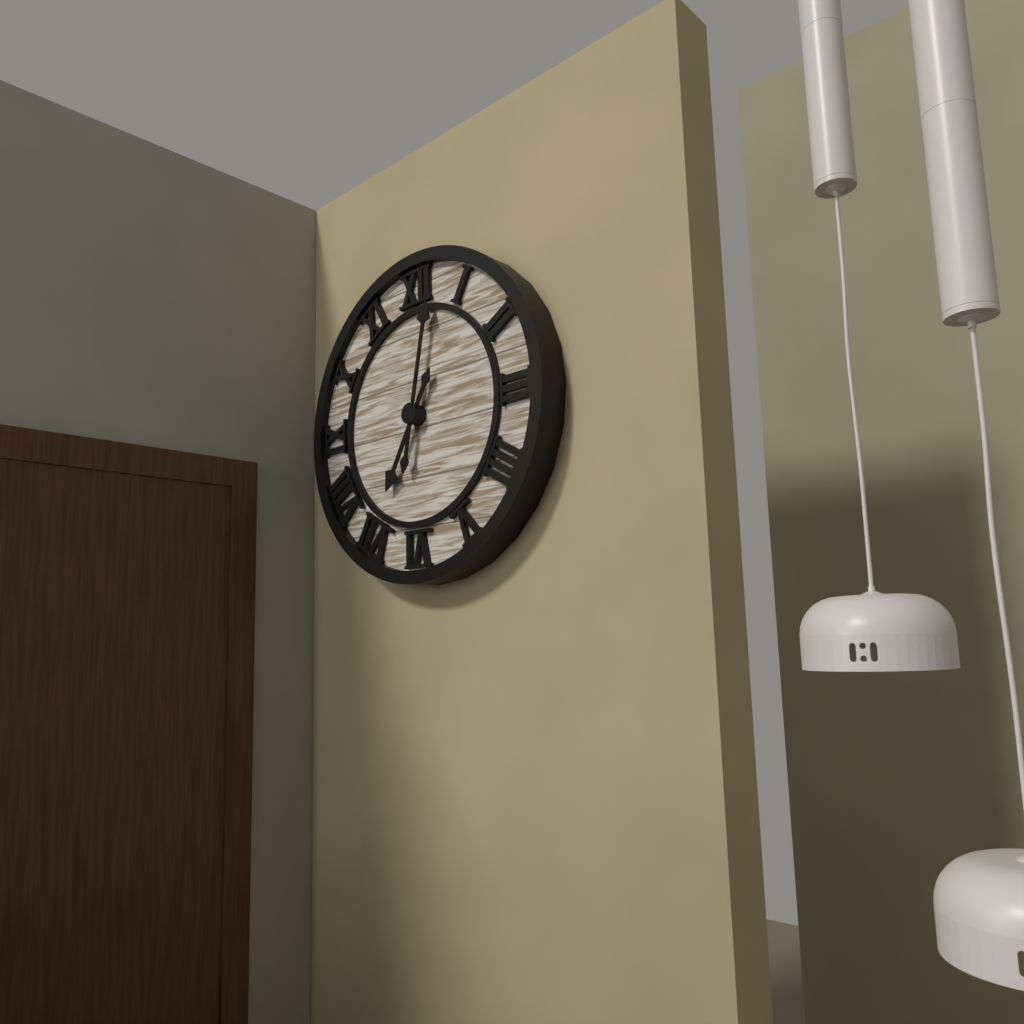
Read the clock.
7:02
